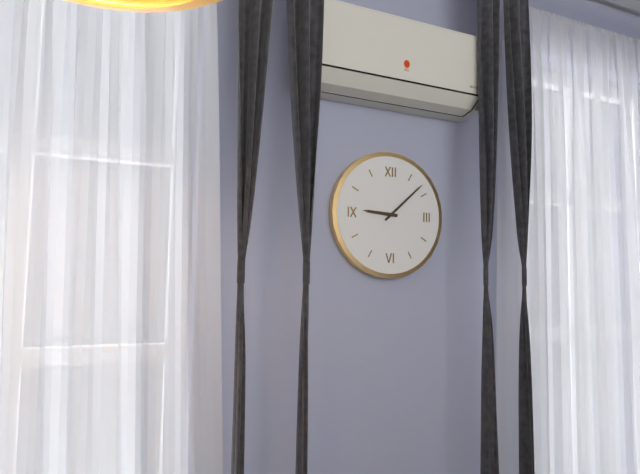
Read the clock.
9:08
